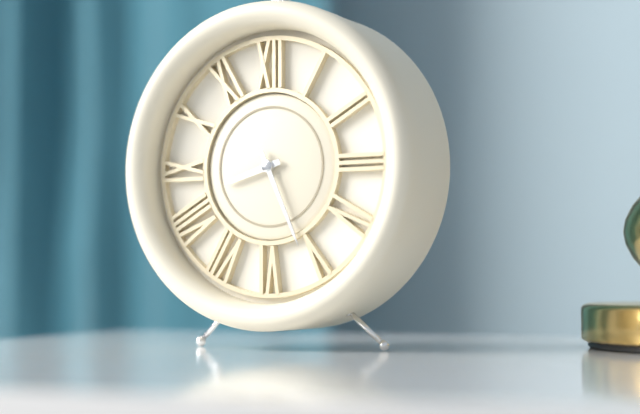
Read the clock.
8:26
